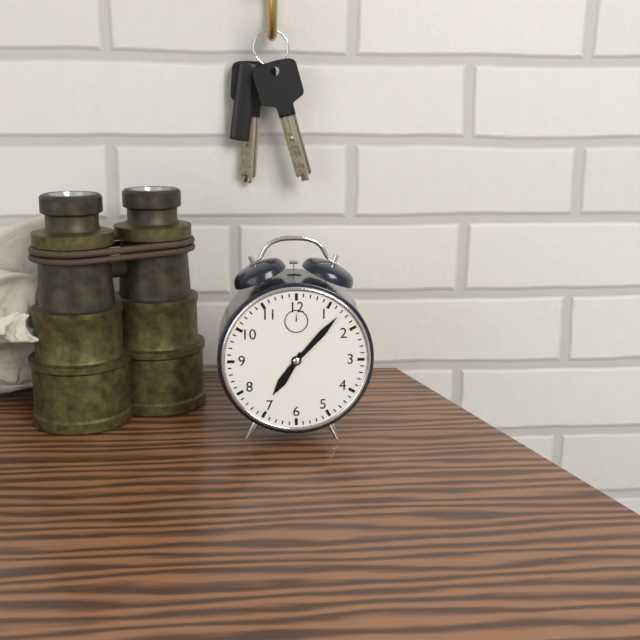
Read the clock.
7:07
